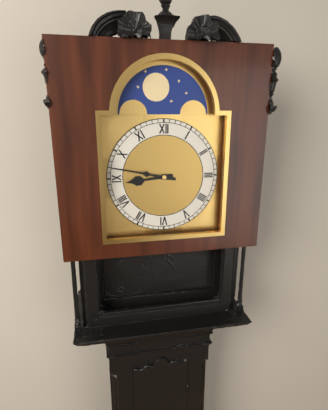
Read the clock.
8:47
